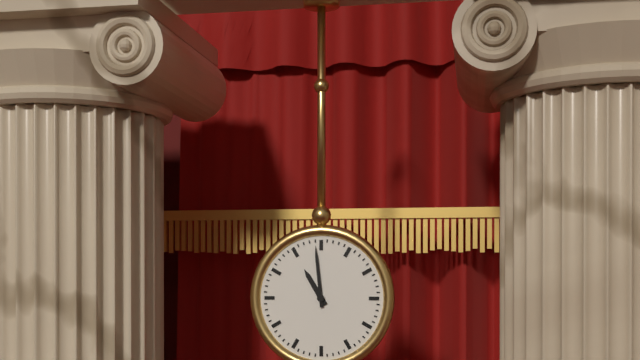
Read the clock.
10:59
